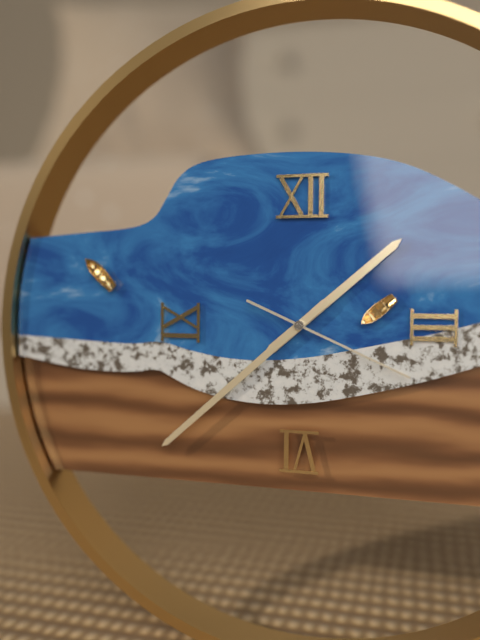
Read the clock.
1:38:19
